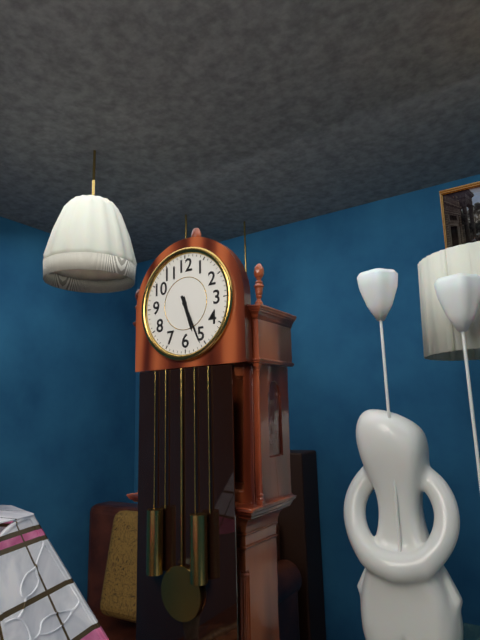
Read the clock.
5:26
